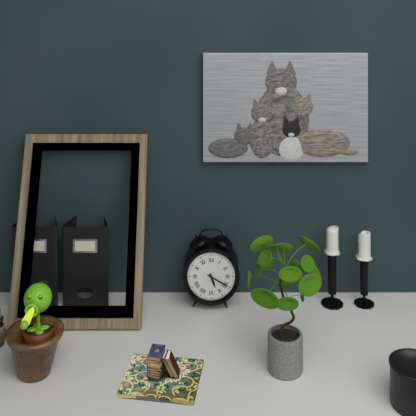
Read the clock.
5:20
